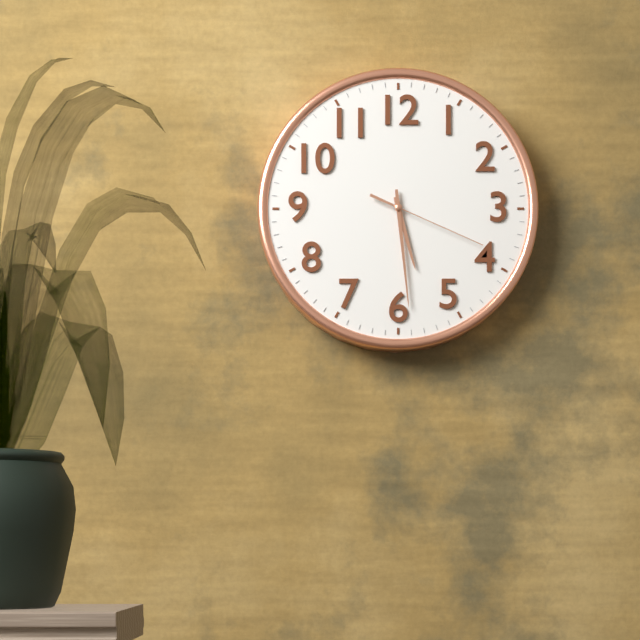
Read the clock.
5:29:19
